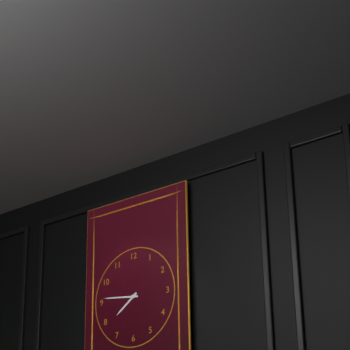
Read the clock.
7:46
